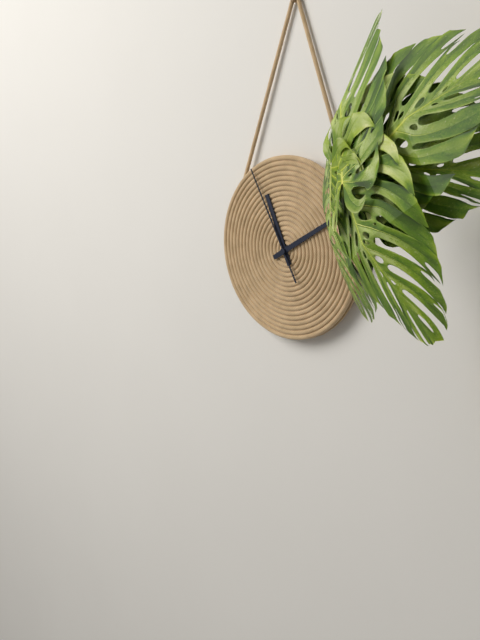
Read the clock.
11:10:55
